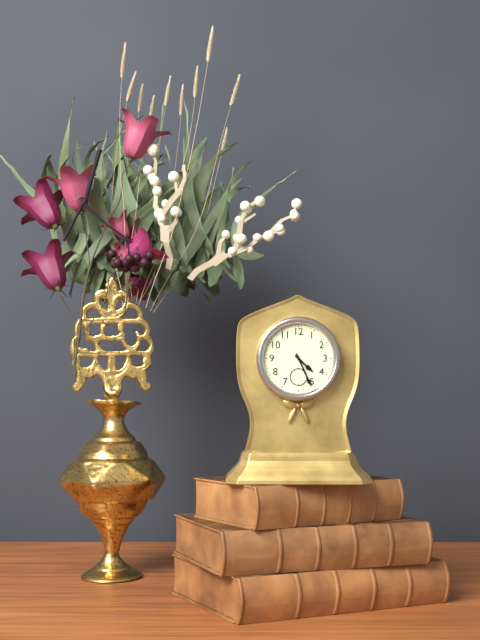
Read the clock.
4:26
